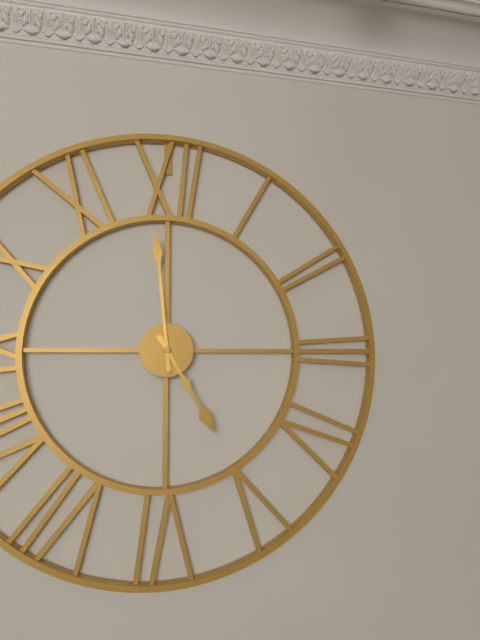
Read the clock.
4:59
